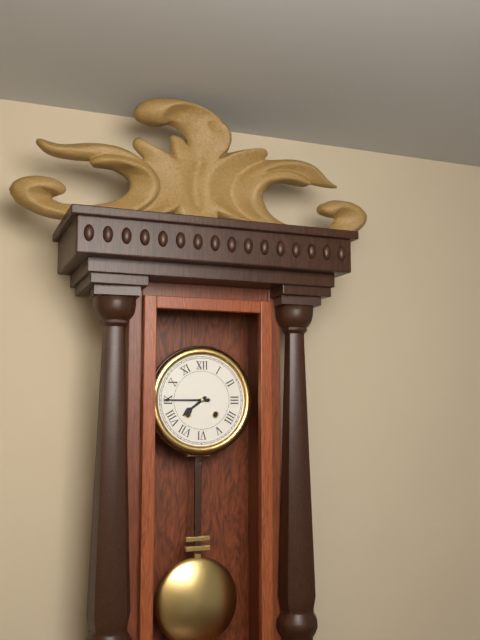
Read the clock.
7:45
